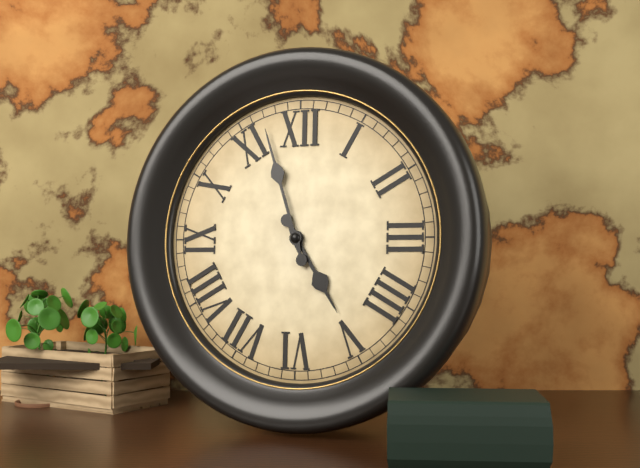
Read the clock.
4:57
